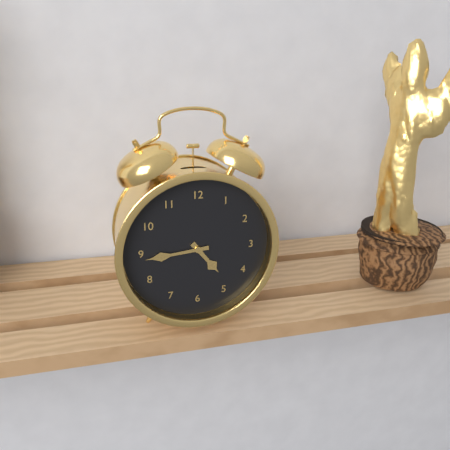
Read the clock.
4:44
